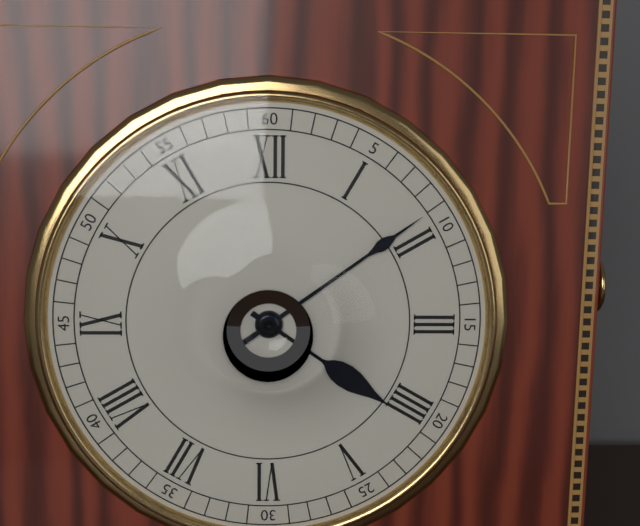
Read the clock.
4:09
